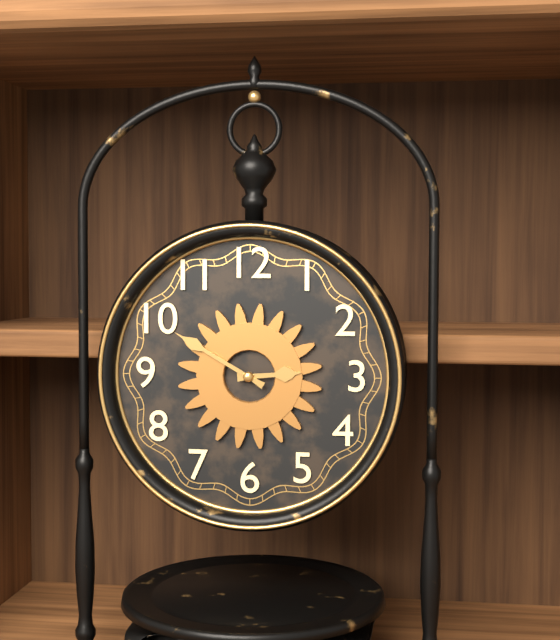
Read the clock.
2:50
